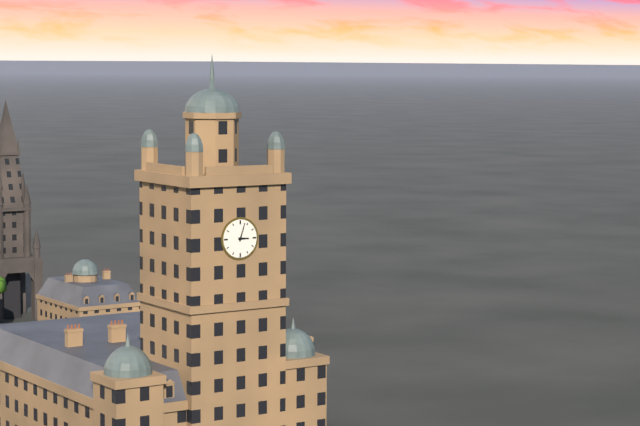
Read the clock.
3:03
